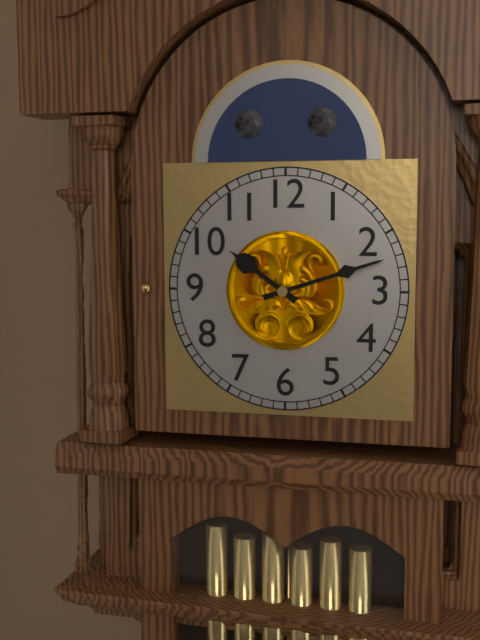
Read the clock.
10:12
